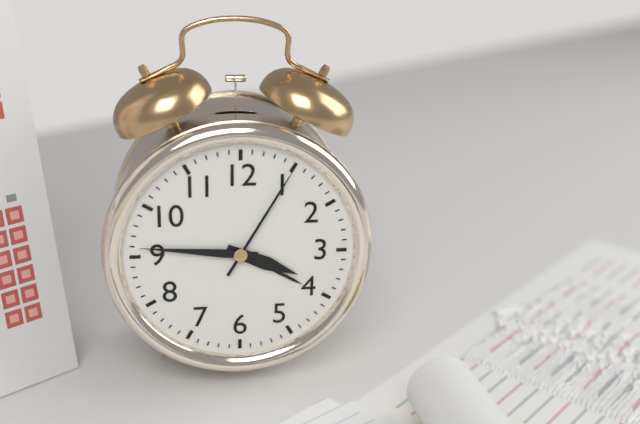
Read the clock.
3:46:05
